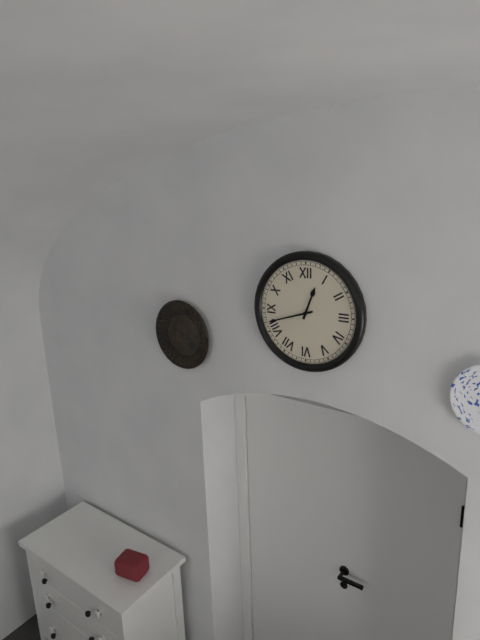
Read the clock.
12:42
